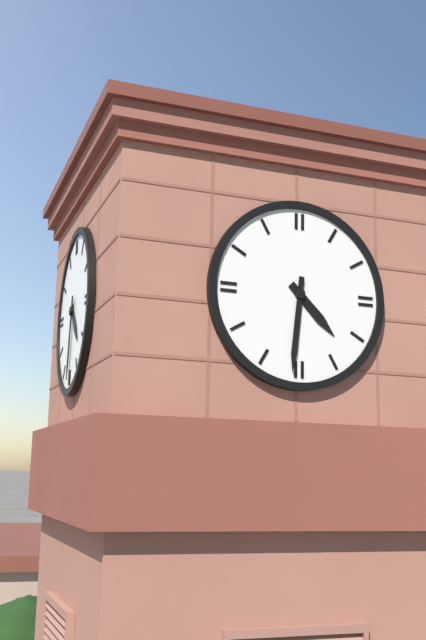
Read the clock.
4:31
